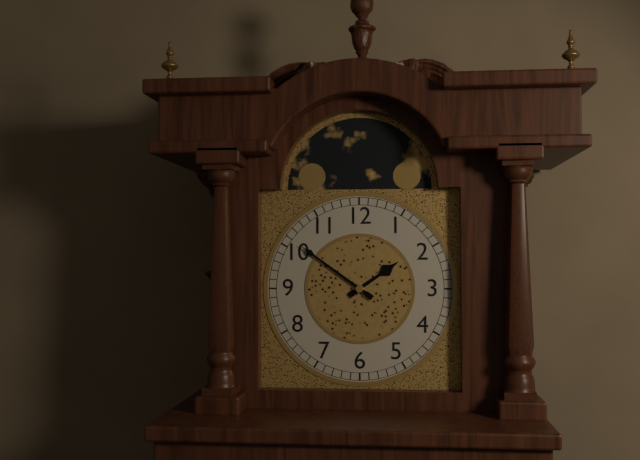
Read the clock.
1:51
